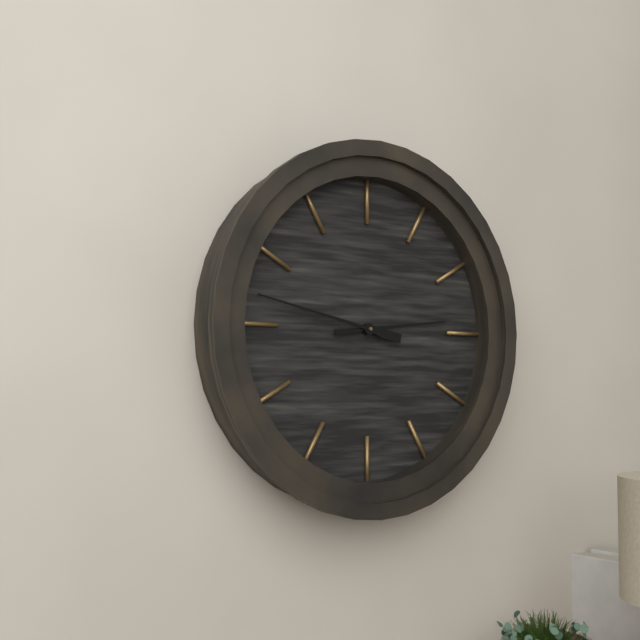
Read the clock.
2:47
